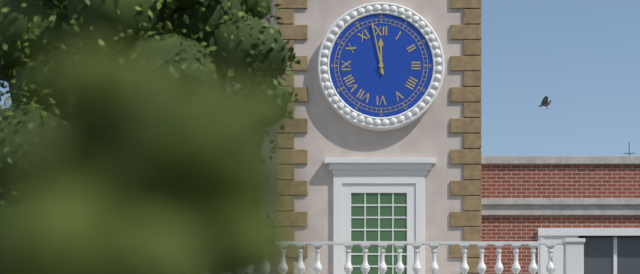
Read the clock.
11:58
